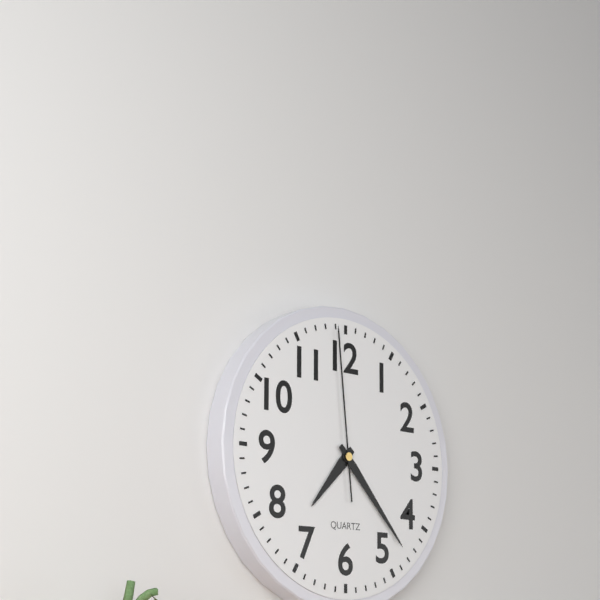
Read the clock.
7:23:59
